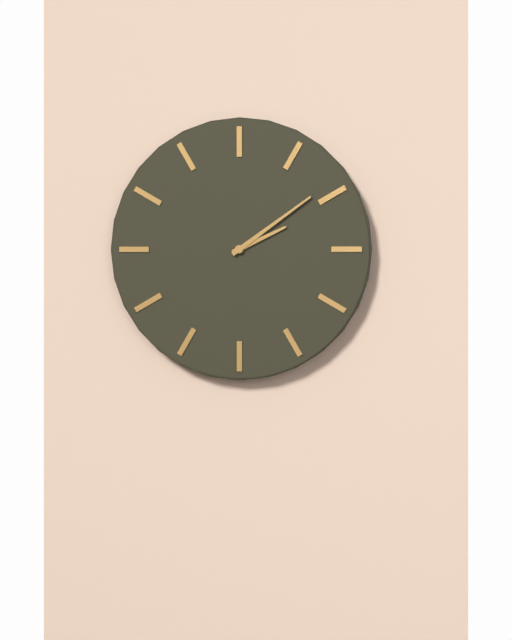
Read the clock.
2:09
